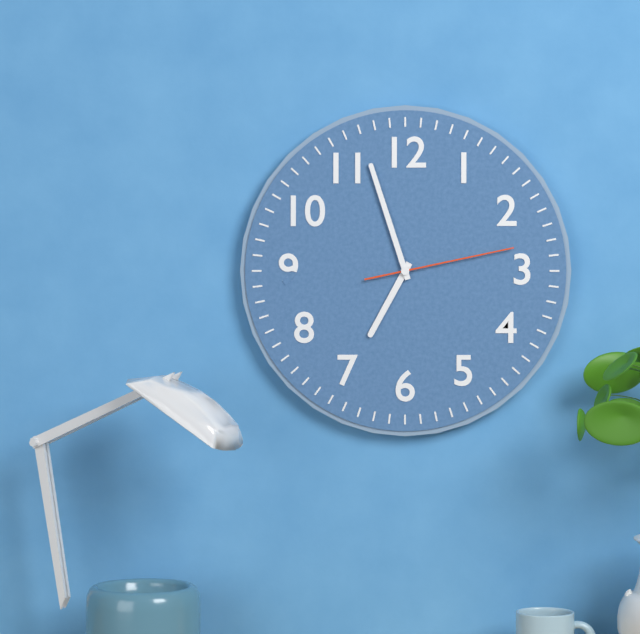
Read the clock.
6:57:13
